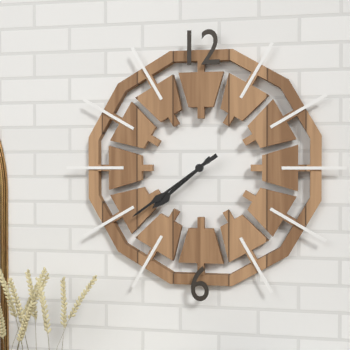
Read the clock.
7:39
